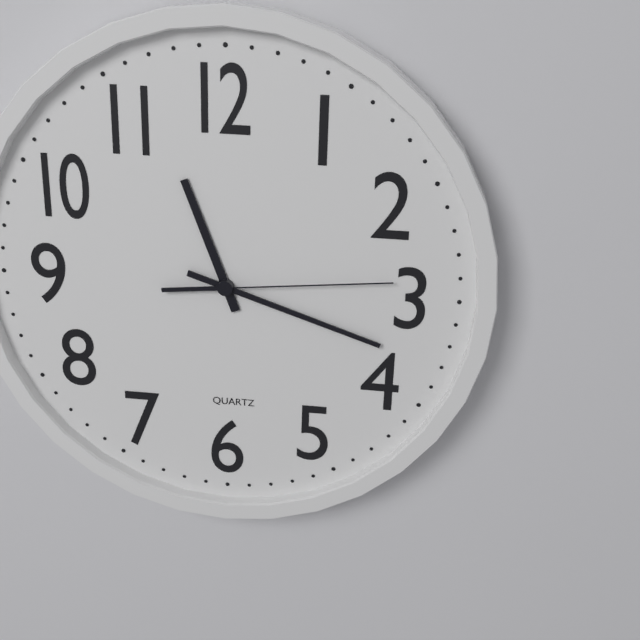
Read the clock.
11:18:14
